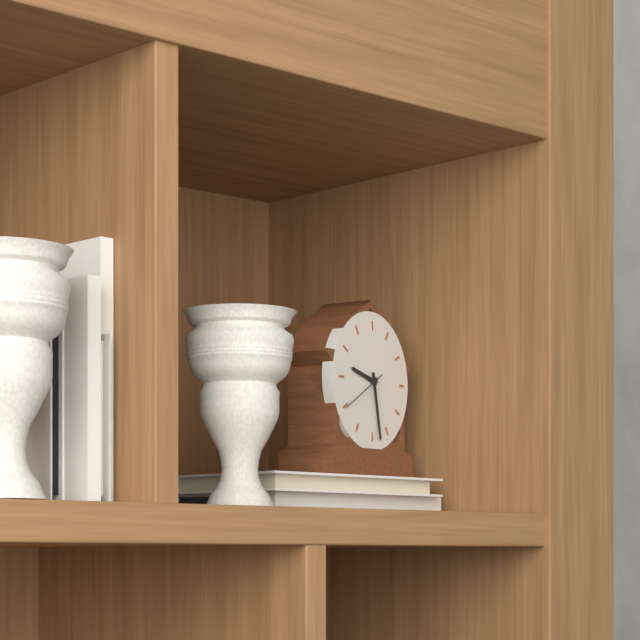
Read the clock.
9:28
